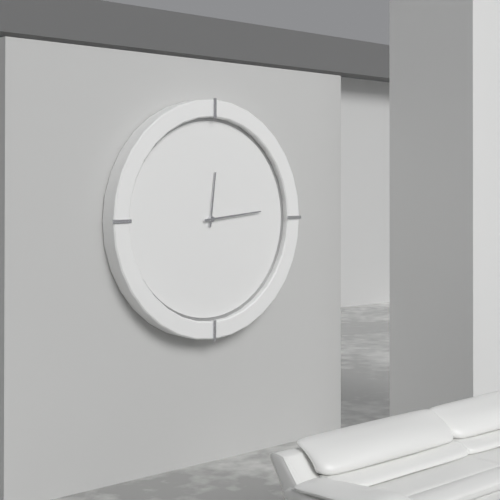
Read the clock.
12:14
